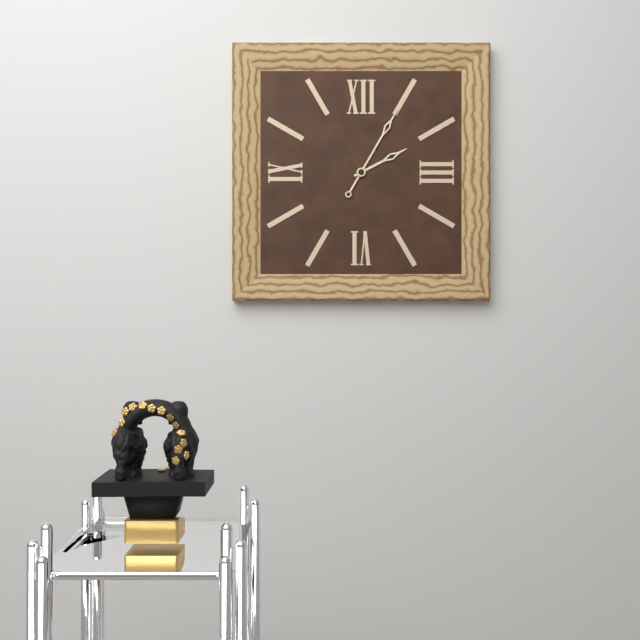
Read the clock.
2:05
